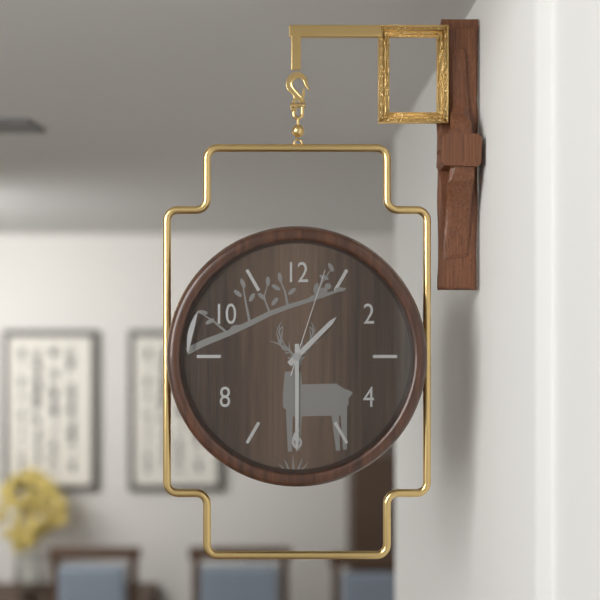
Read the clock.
1:30:03
